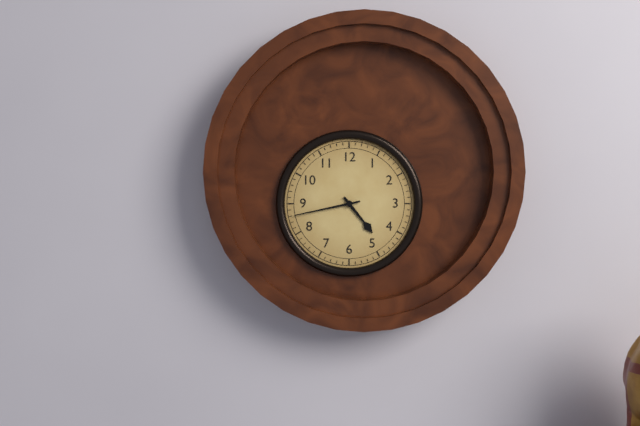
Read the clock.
4:43
